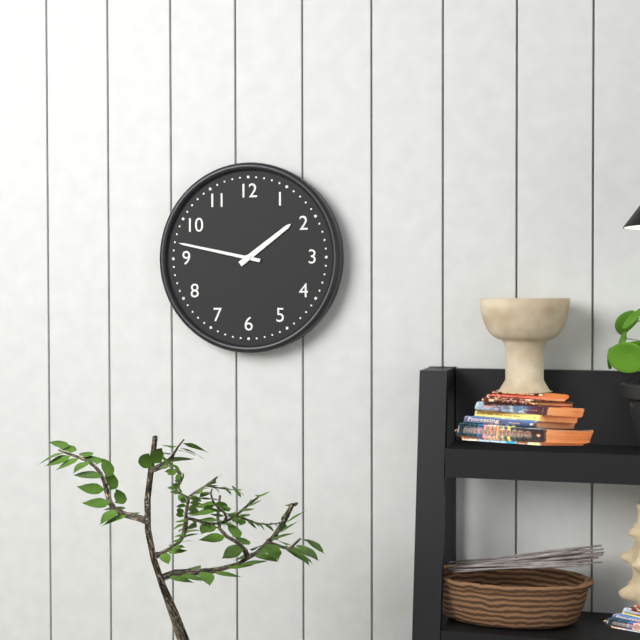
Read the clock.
1:47
